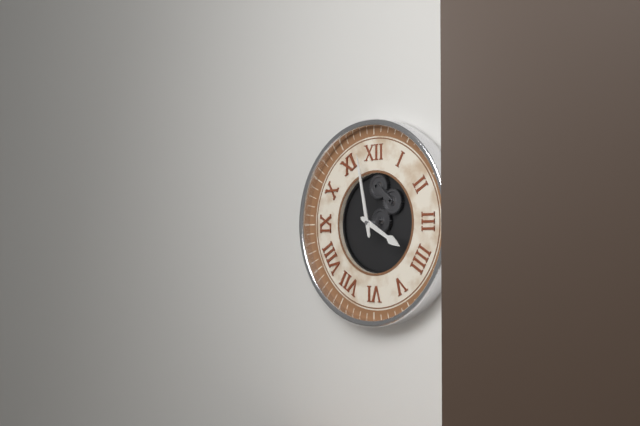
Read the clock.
3:58
